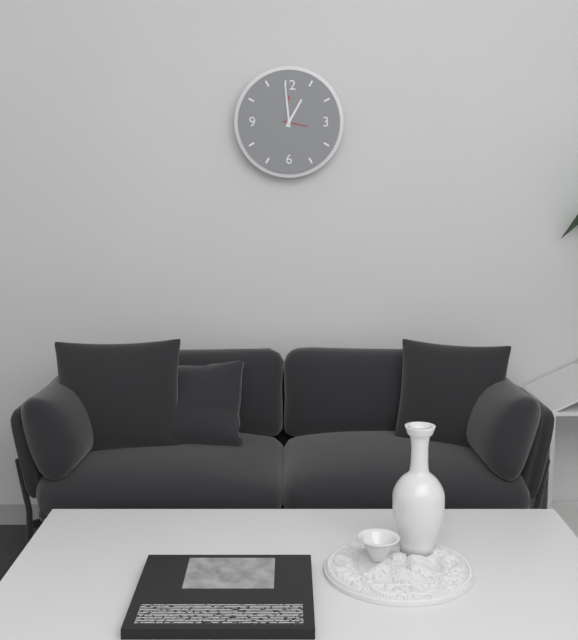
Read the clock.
12:59
